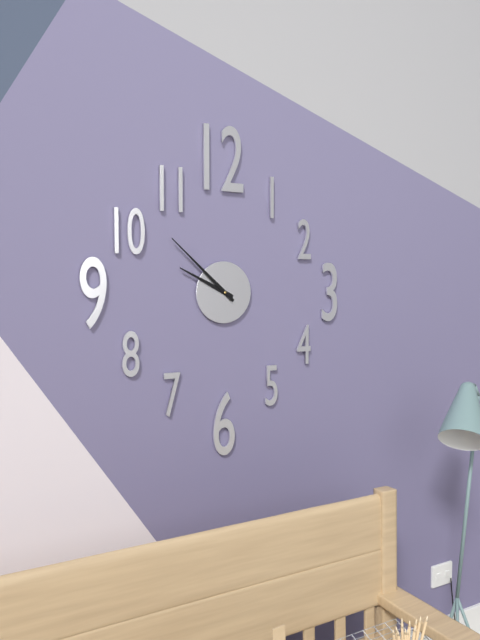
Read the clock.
9:52
